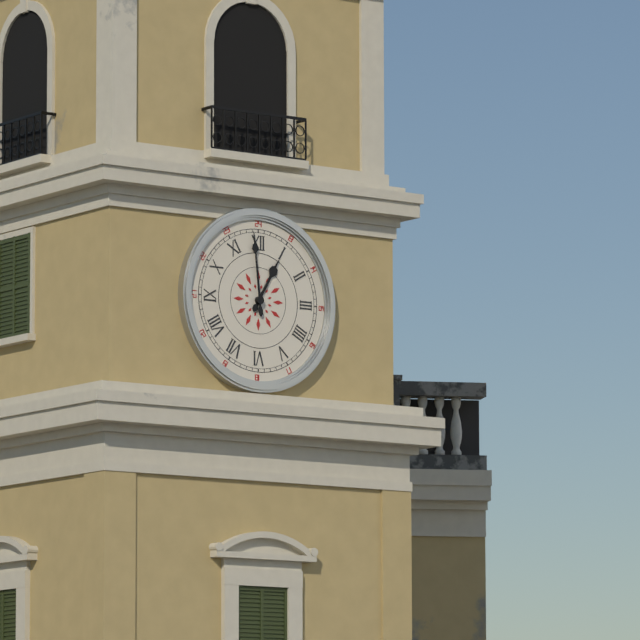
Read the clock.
12:59
